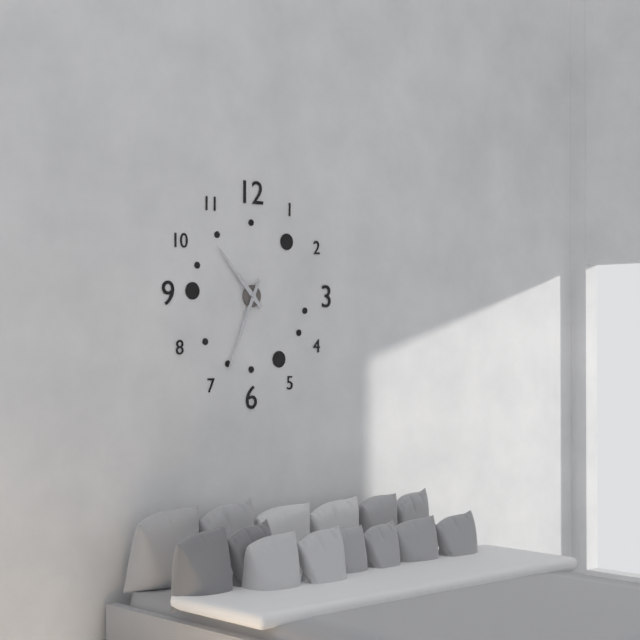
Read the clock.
10:34
